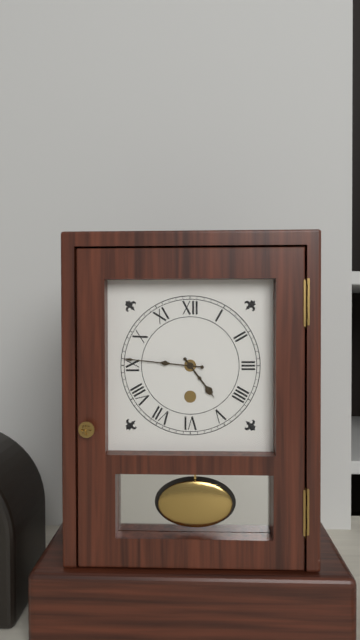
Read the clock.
4:46
